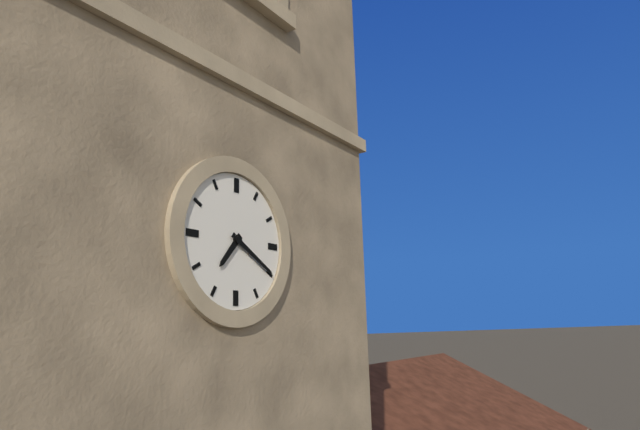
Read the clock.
7:20
